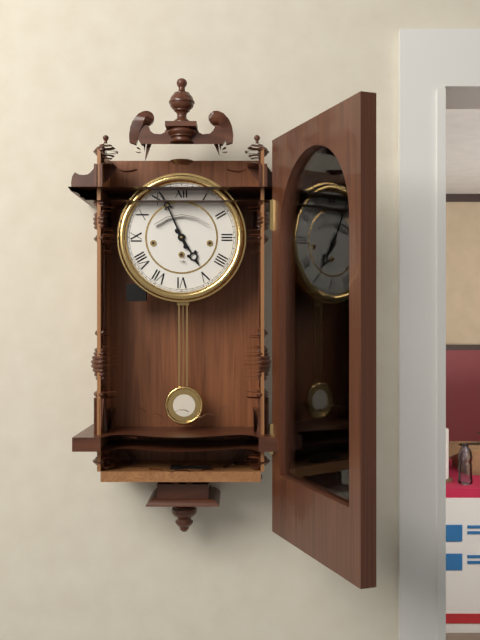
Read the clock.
4:56
